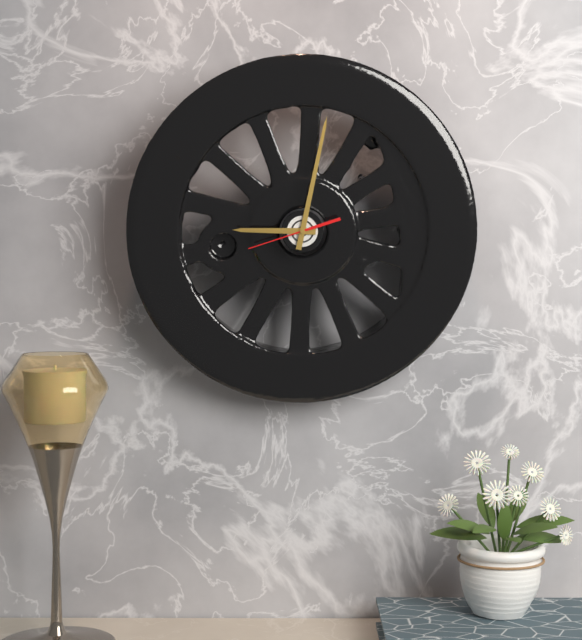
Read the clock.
9:02:42
